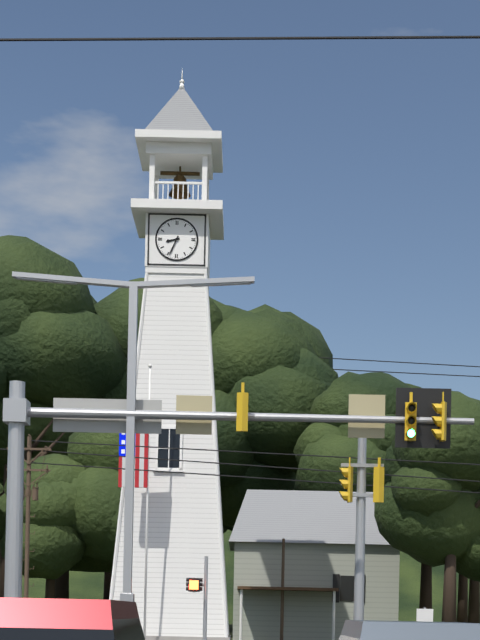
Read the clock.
8:34
